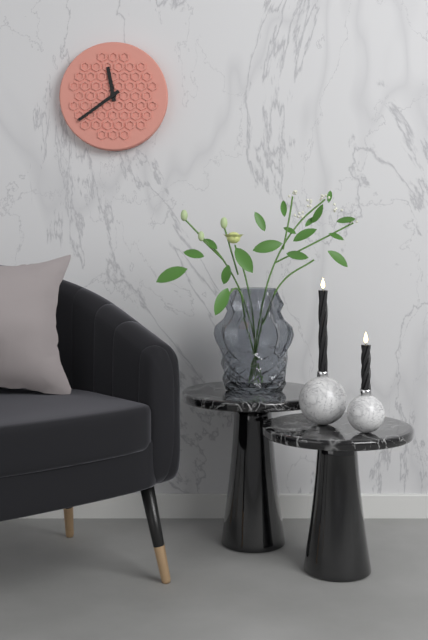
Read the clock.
11:39
